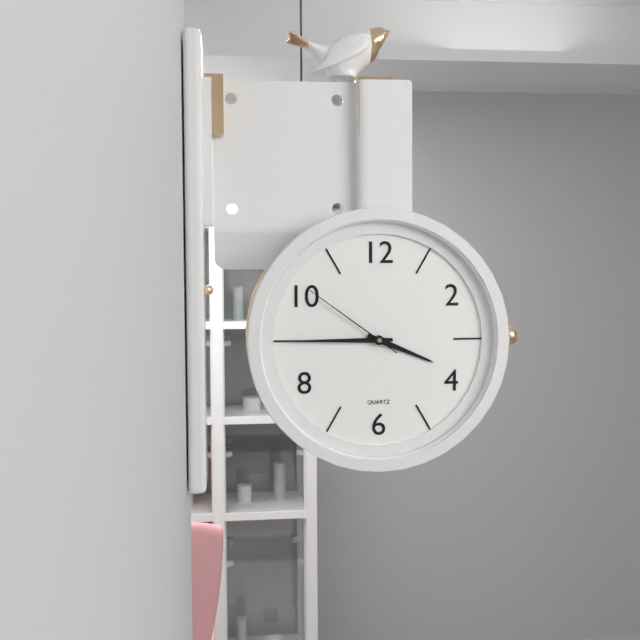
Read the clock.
3:45:51
